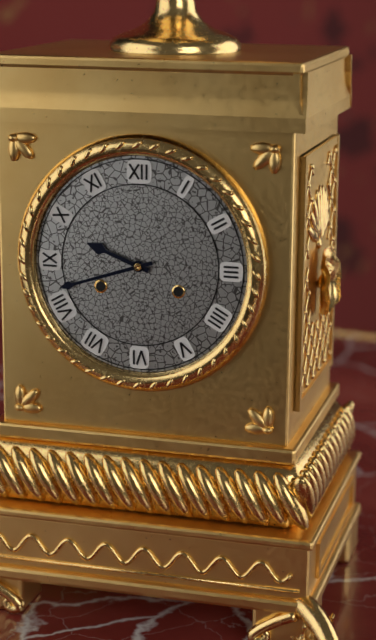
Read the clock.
9:42
